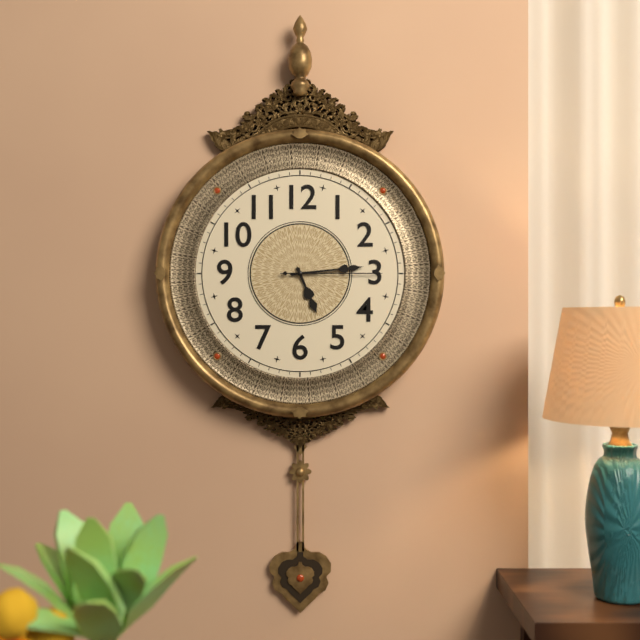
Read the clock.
5:14:15
